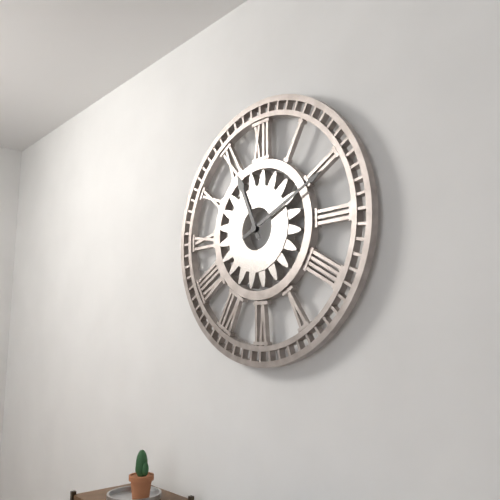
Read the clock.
11:11
